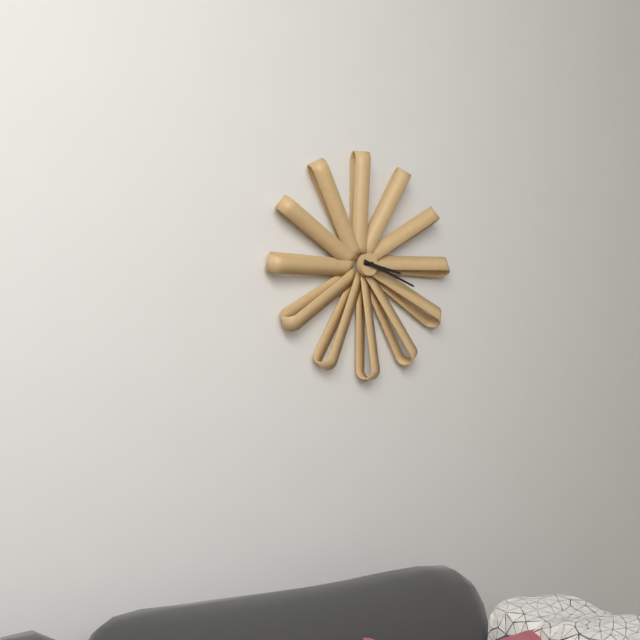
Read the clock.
3:18
